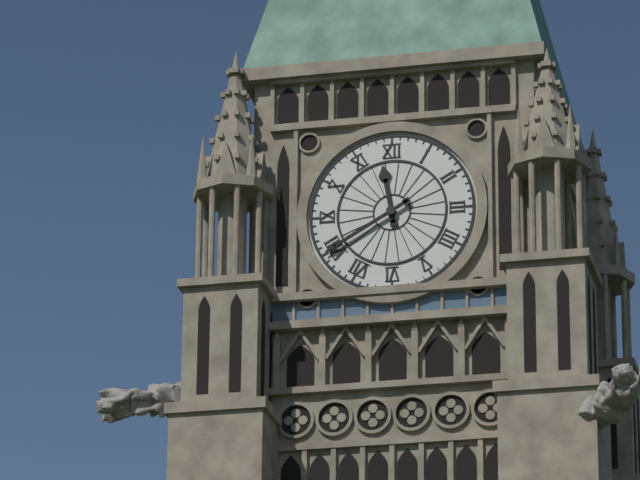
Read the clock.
11:40
